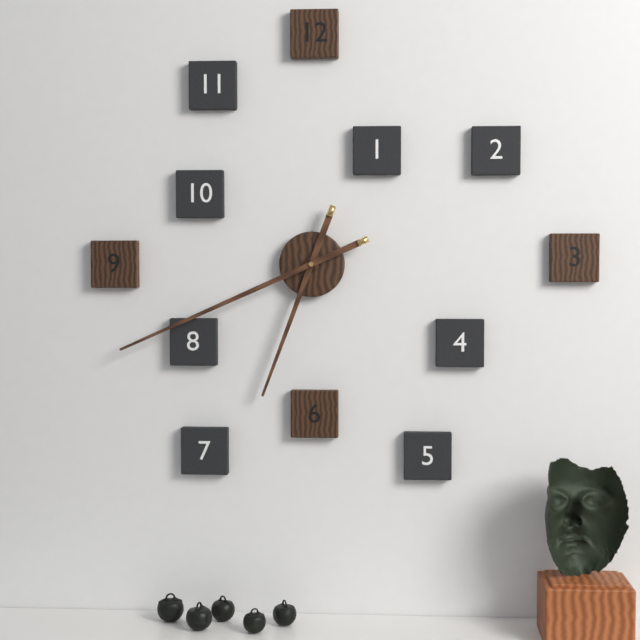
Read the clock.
6:41
